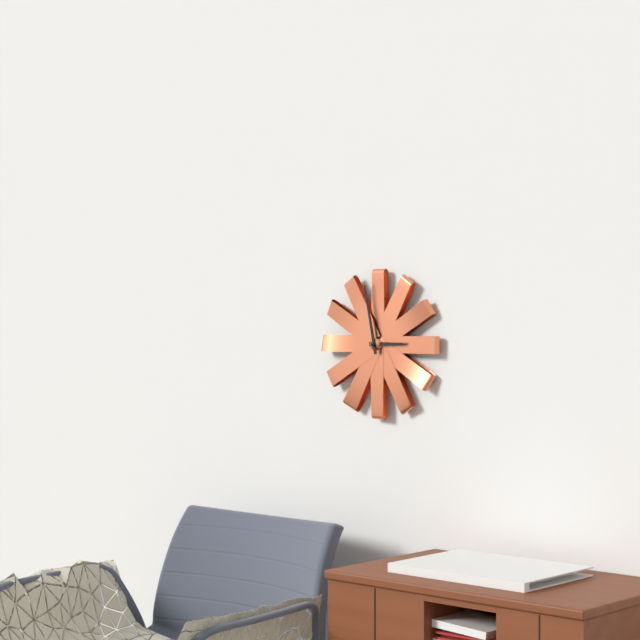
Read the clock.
2:58
